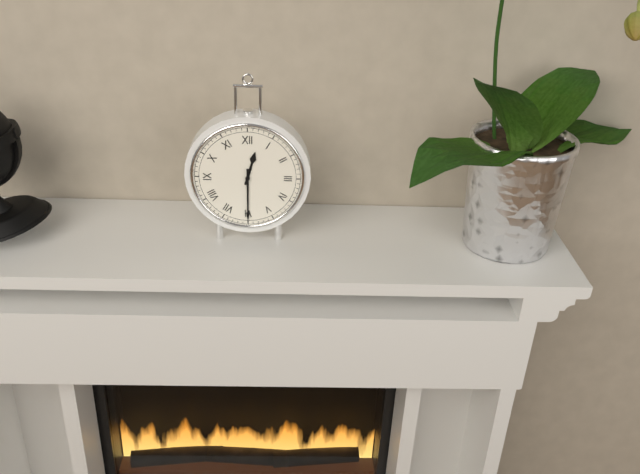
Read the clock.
12:30
